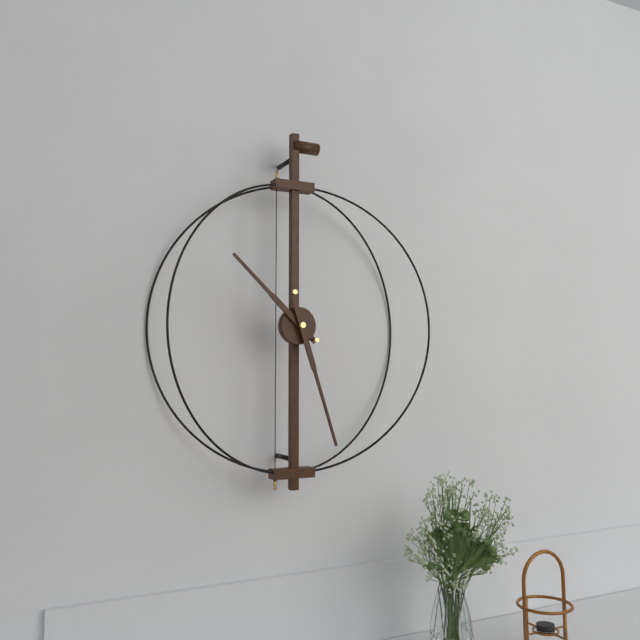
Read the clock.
10:27
